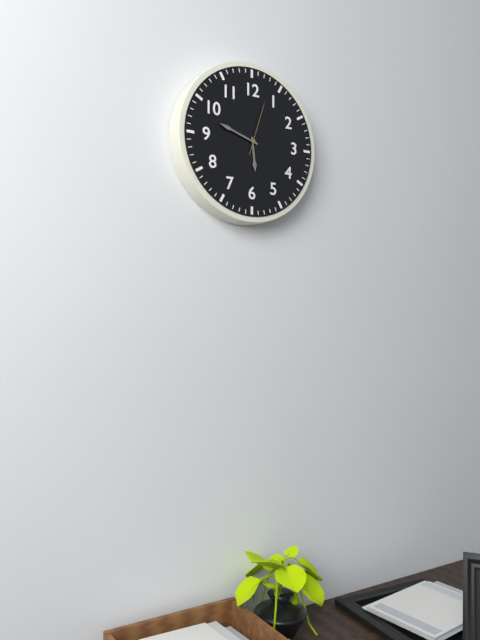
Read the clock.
5:48:03
